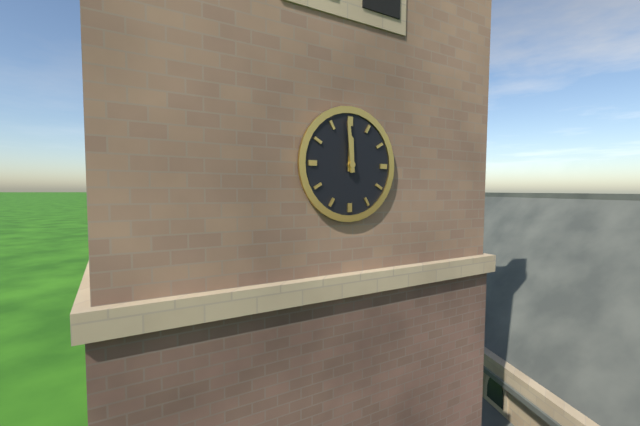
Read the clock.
11:59
